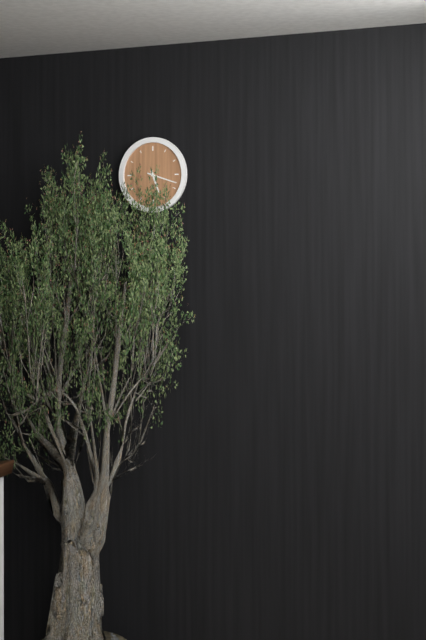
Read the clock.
5:18
